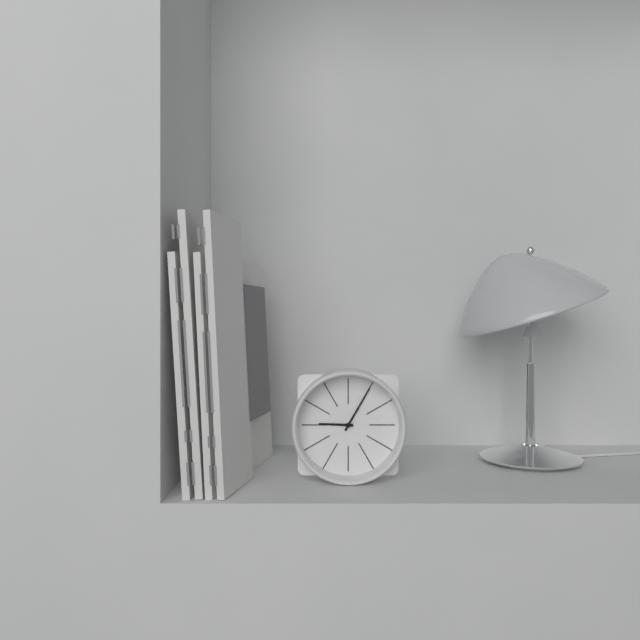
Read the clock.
9:05
